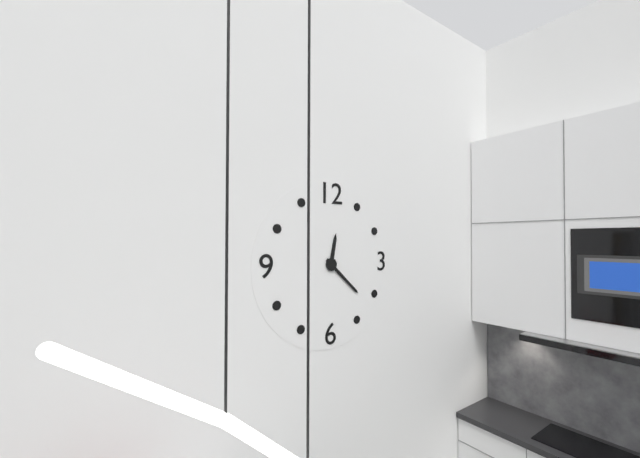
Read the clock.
12:22
